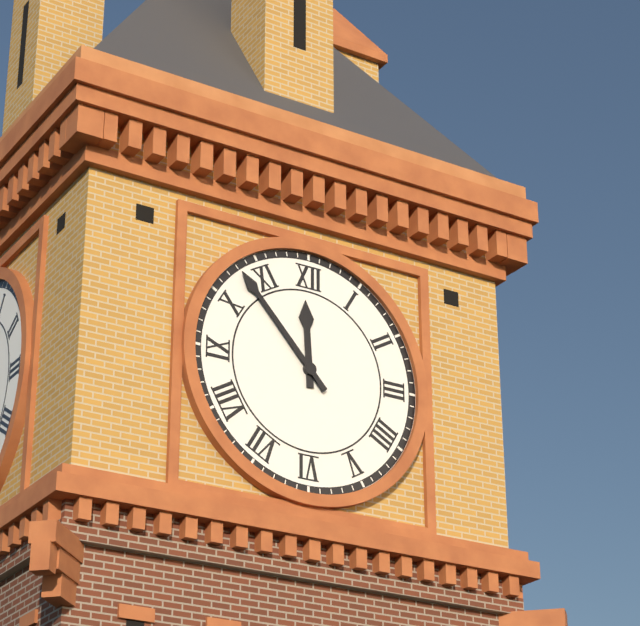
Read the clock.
11:53
